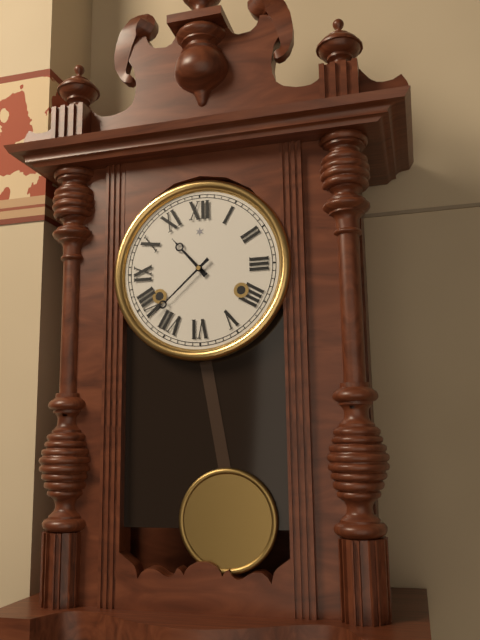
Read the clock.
10:38
